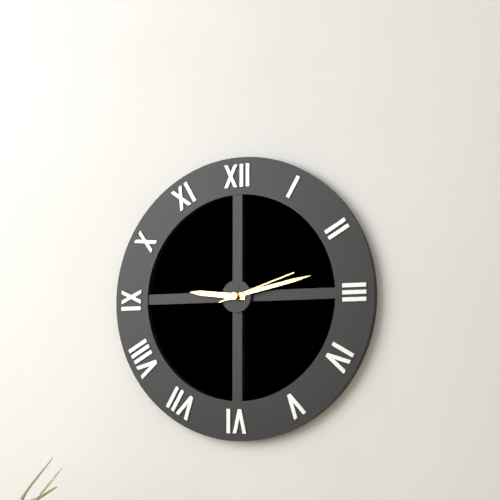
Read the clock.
9:13:12
